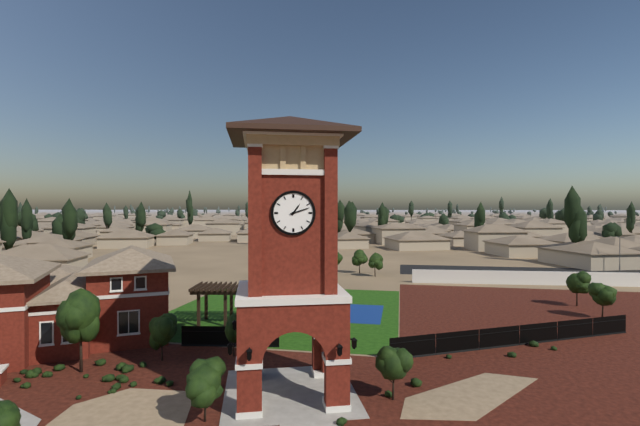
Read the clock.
1:12
